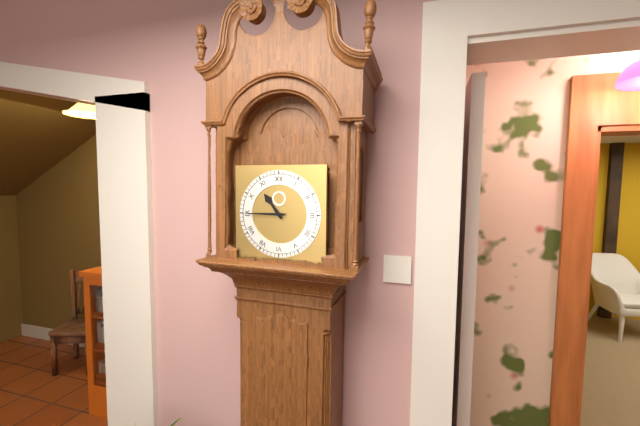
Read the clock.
10:45
